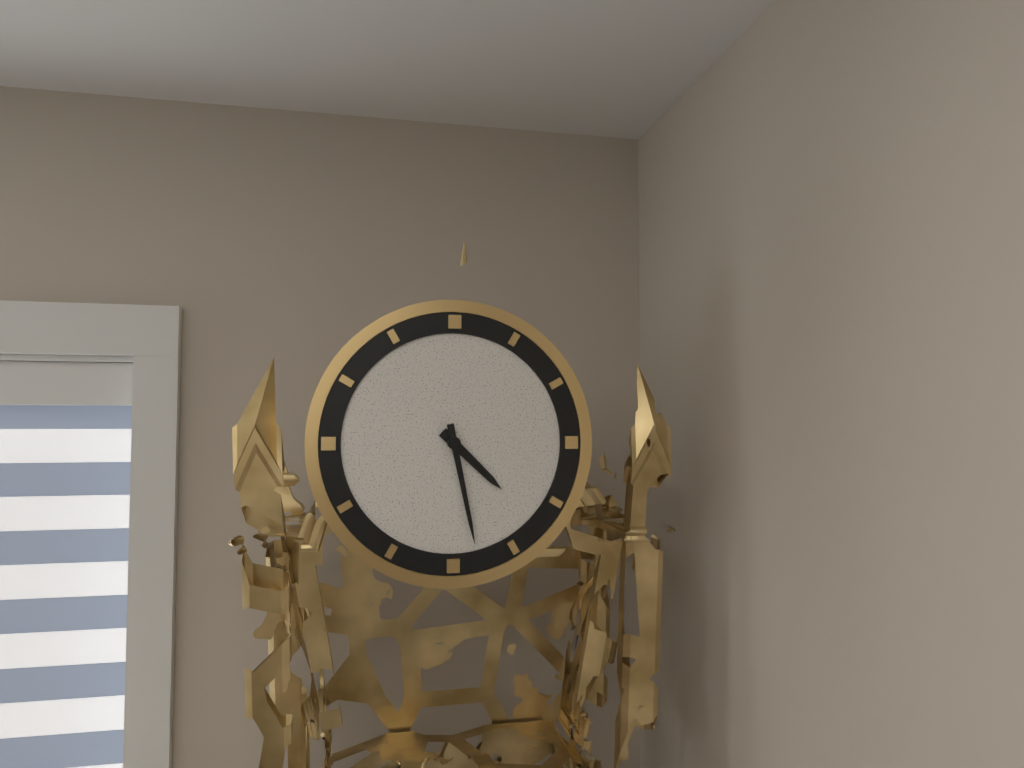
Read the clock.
4:28
